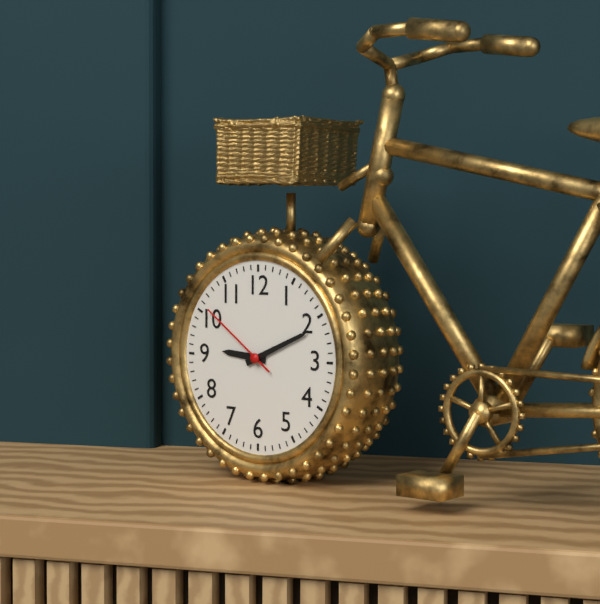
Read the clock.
9:11:51
